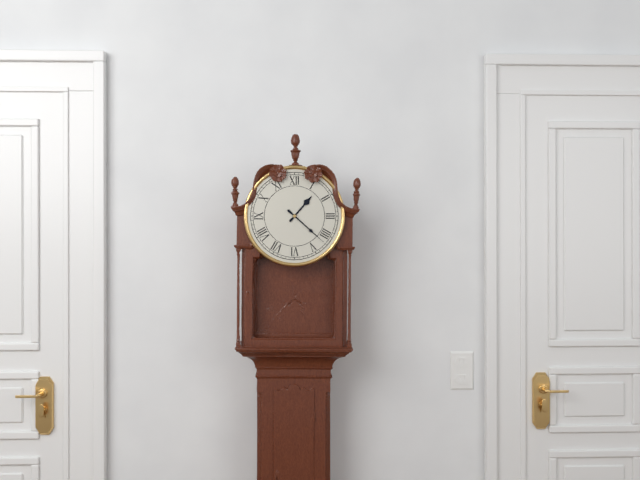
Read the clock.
1:22
